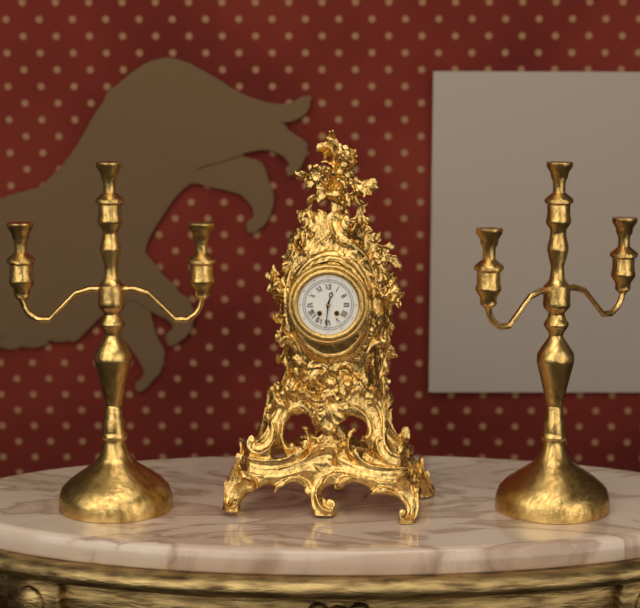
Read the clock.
12:31
